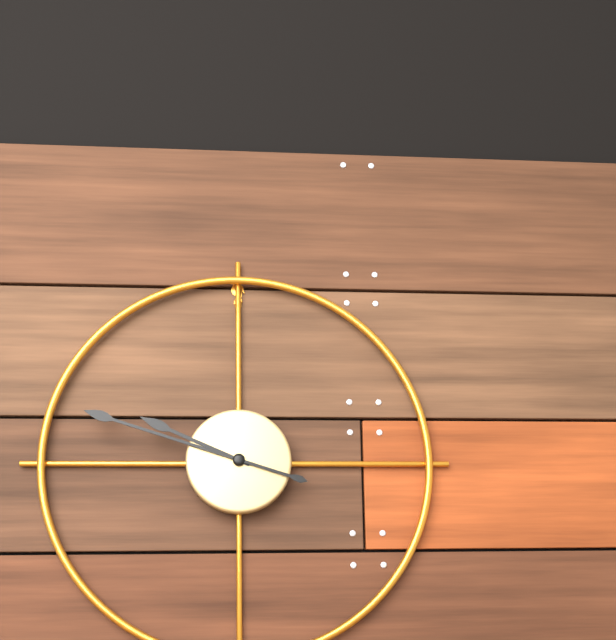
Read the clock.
9:48
